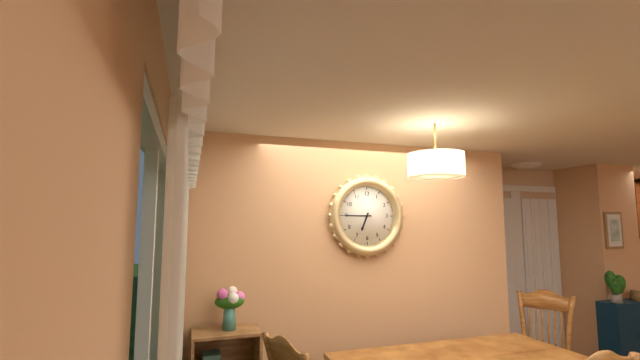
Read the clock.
6:45
